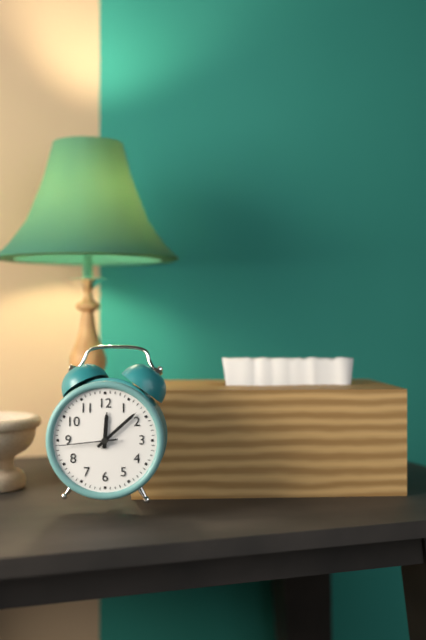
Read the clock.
12:08:44
